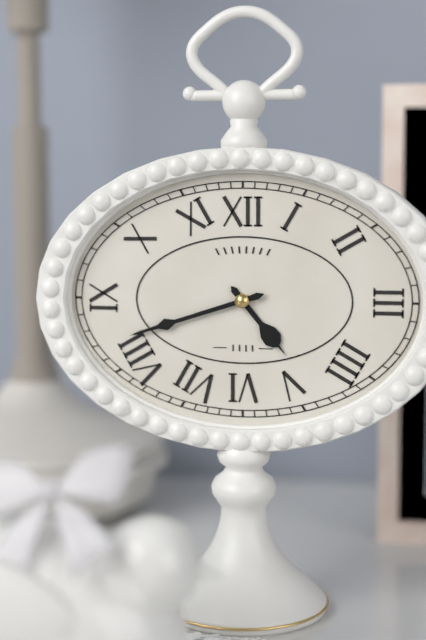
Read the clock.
4:42
